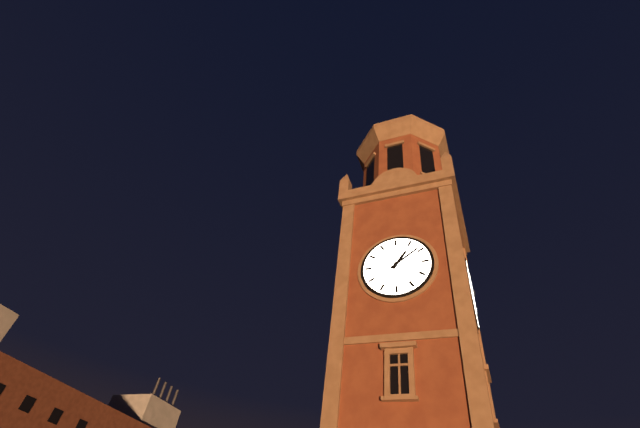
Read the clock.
1:09
